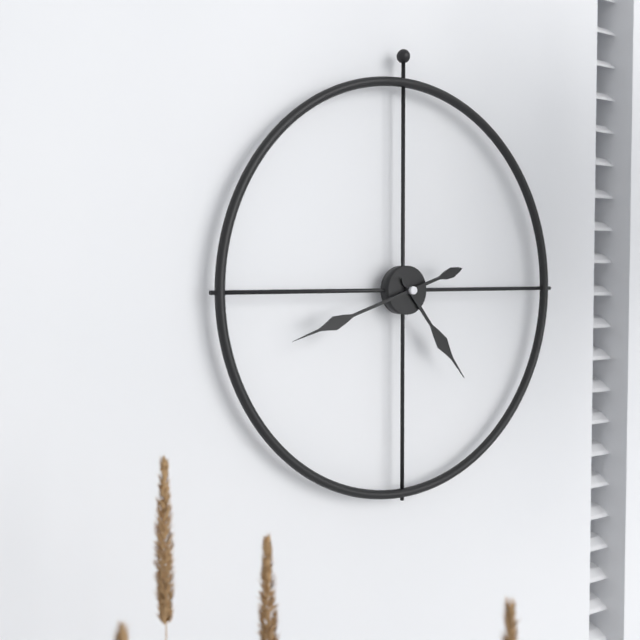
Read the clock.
4:42
